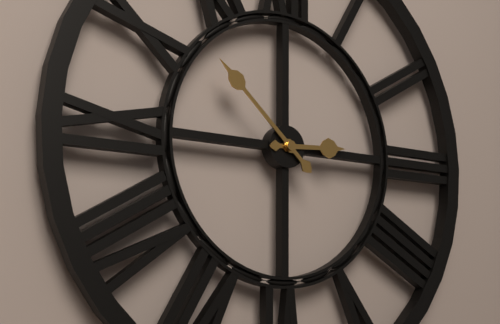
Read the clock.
2:52
